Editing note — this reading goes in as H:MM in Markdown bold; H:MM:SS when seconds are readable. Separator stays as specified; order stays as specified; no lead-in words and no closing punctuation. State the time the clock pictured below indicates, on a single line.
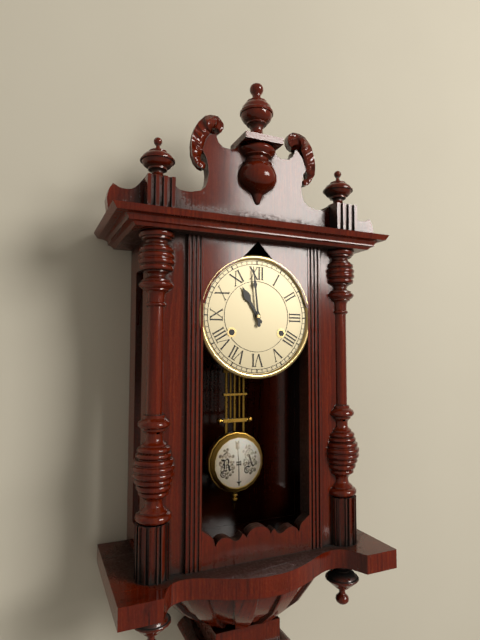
**10:59**
